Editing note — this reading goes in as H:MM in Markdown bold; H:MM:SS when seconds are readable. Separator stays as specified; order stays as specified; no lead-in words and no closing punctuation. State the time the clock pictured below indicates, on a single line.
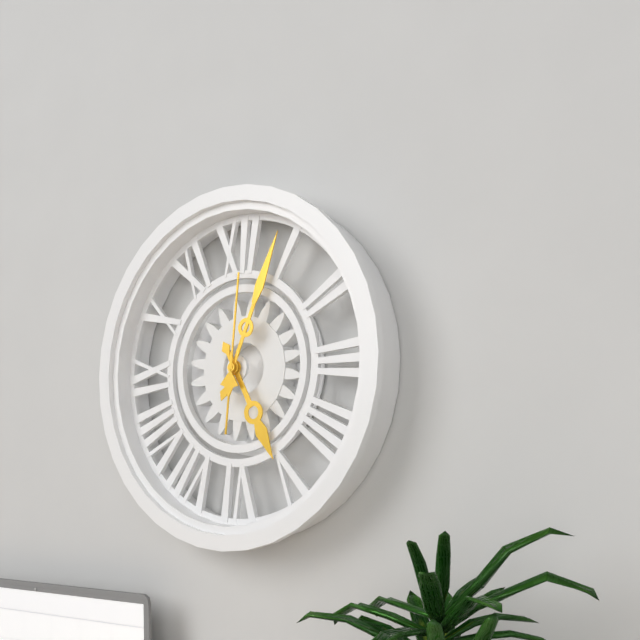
**5:04:01**
